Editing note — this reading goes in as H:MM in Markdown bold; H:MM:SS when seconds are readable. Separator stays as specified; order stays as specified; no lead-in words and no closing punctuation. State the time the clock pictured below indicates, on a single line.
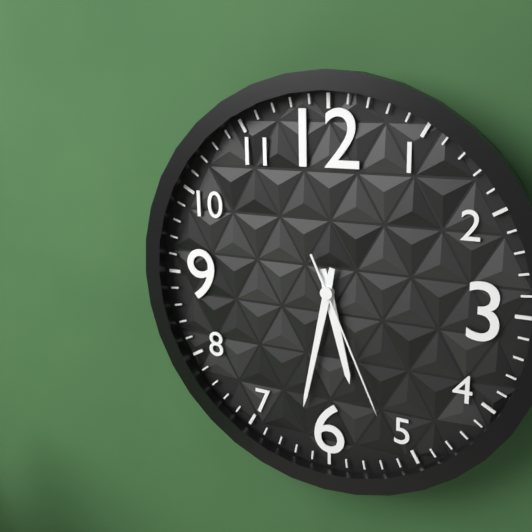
**5:32:26**
